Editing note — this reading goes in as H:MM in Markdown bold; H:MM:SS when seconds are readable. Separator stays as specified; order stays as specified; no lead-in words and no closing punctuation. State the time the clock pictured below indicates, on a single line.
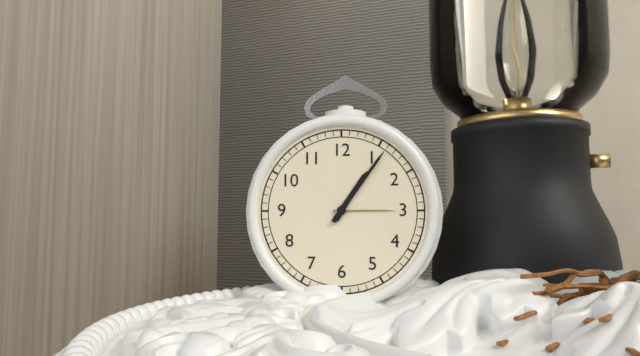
**1:06**
